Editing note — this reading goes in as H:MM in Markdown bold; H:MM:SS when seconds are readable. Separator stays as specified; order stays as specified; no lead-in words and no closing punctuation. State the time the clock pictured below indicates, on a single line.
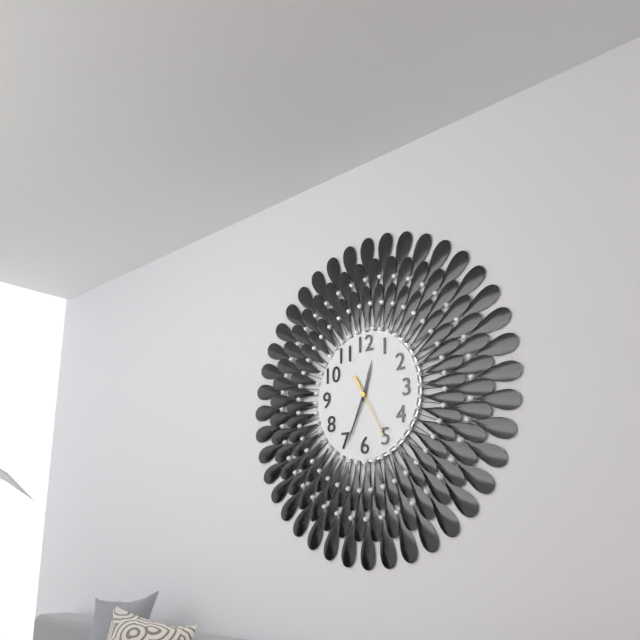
**12:34:25**
